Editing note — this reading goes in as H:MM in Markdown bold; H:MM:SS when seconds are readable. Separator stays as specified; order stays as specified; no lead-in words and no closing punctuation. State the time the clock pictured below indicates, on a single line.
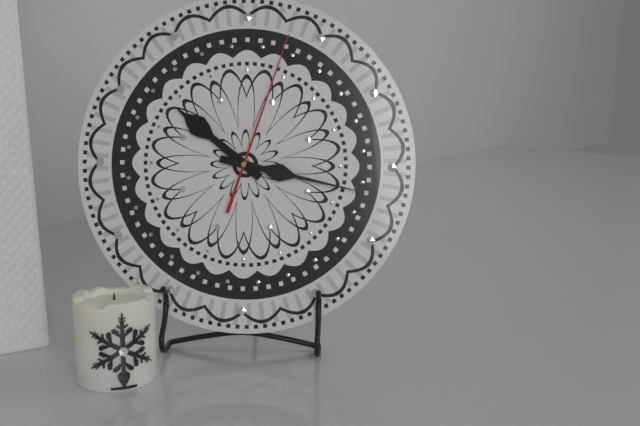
**10:17:03**
